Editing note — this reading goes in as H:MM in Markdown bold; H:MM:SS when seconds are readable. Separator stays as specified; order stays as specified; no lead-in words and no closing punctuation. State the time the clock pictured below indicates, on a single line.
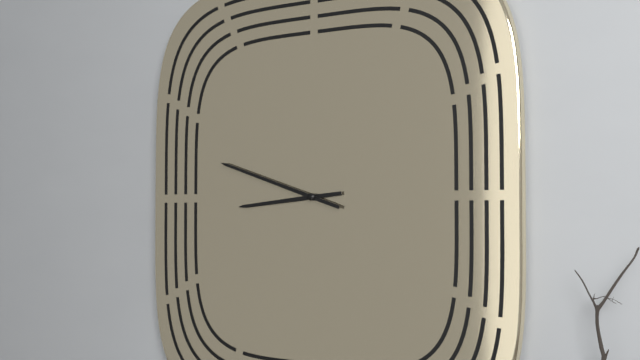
**8:48**
